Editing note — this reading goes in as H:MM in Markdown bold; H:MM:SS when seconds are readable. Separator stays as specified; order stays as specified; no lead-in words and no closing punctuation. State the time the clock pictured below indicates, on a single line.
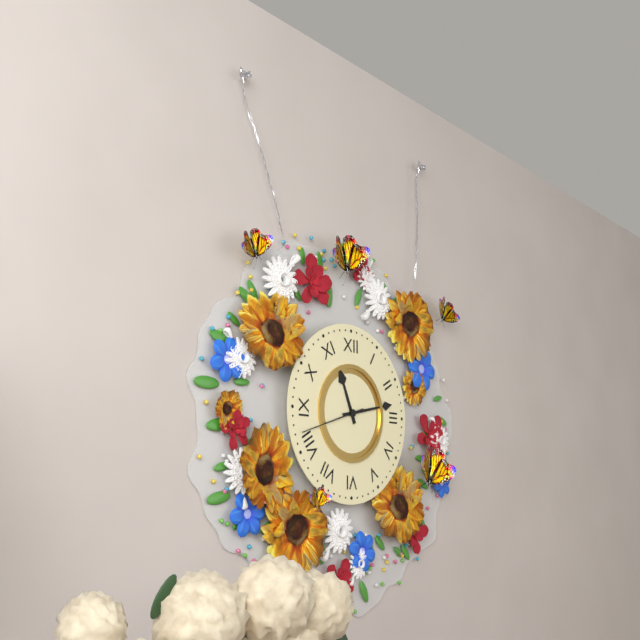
**11:13:42**
